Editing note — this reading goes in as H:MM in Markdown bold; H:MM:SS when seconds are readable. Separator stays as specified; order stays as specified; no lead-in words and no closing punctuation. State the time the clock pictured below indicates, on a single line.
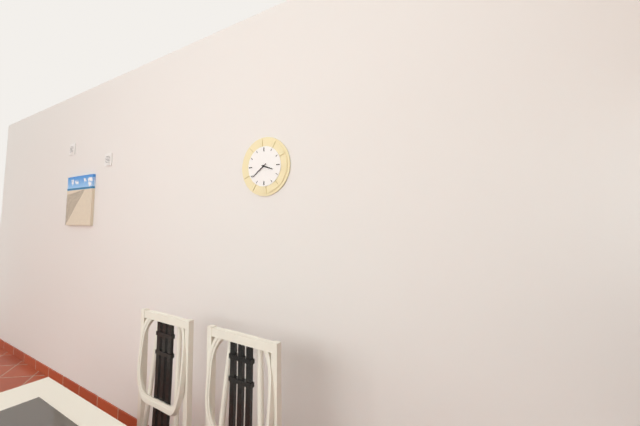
**3:39**
